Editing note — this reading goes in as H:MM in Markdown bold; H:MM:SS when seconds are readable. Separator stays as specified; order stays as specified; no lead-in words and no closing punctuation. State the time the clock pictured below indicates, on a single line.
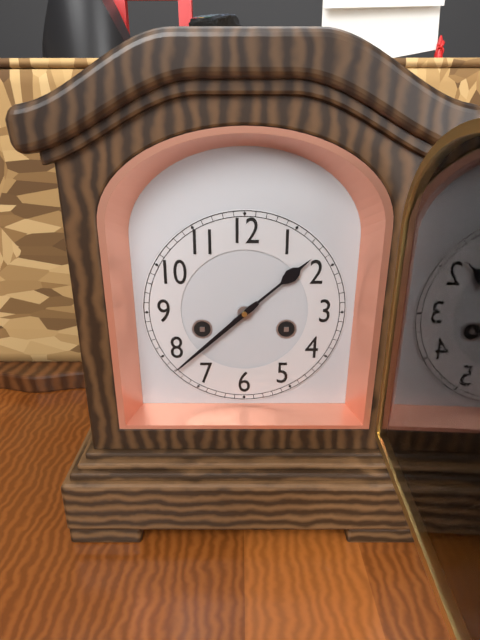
**1:38**
